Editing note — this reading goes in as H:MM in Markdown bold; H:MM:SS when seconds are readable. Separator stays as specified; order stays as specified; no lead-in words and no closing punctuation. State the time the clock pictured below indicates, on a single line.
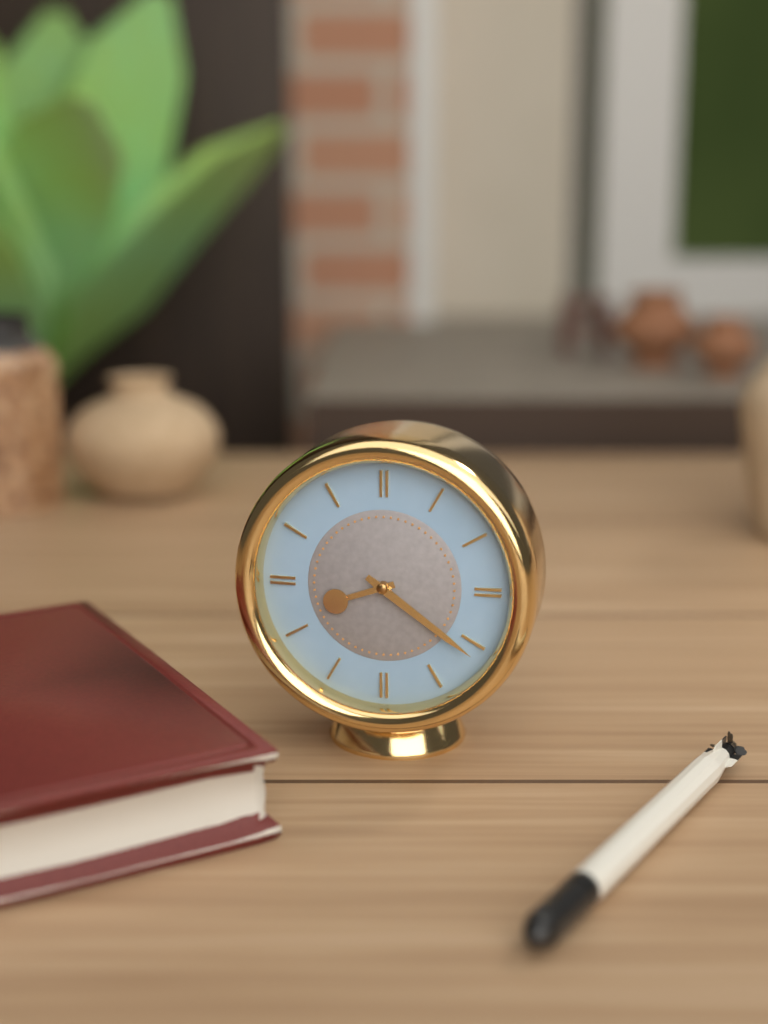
**8:21**
